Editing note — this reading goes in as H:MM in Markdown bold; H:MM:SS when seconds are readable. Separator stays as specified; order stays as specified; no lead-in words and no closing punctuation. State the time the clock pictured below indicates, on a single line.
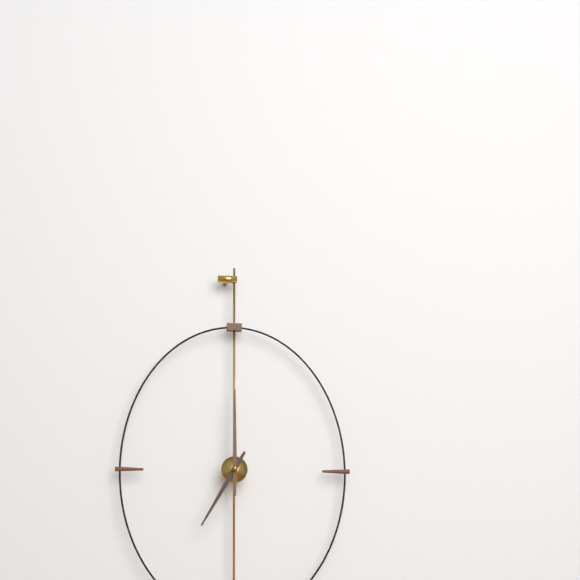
**7:00**
